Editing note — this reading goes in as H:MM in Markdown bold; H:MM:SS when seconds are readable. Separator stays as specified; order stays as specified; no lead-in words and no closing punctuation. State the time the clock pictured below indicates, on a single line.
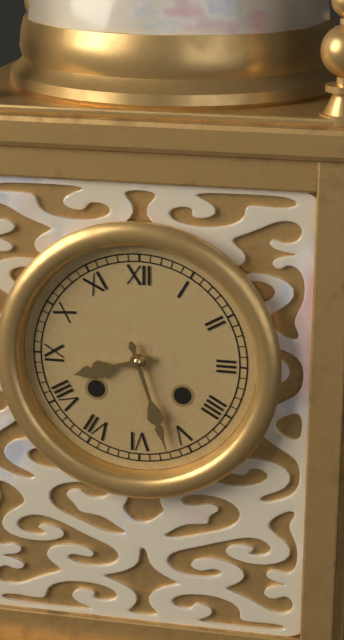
**8:27**
